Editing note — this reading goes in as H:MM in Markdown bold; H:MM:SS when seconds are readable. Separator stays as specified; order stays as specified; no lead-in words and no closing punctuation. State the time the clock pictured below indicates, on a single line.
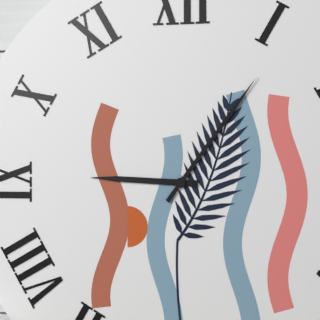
**9:06**
